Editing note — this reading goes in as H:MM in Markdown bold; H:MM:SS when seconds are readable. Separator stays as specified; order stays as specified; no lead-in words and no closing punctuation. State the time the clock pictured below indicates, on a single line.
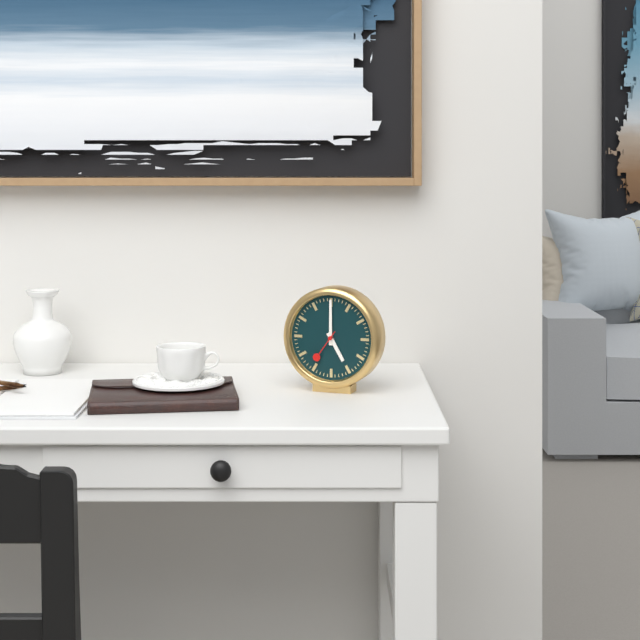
**5:00**
